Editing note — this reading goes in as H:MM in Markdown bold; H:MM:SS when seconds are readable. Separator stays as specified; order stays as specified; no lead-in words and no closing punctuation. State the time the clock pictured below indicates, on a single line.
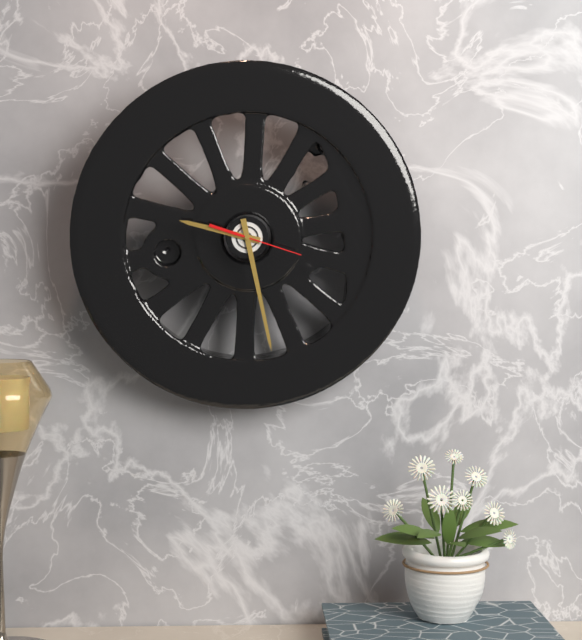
**9:28:18**
